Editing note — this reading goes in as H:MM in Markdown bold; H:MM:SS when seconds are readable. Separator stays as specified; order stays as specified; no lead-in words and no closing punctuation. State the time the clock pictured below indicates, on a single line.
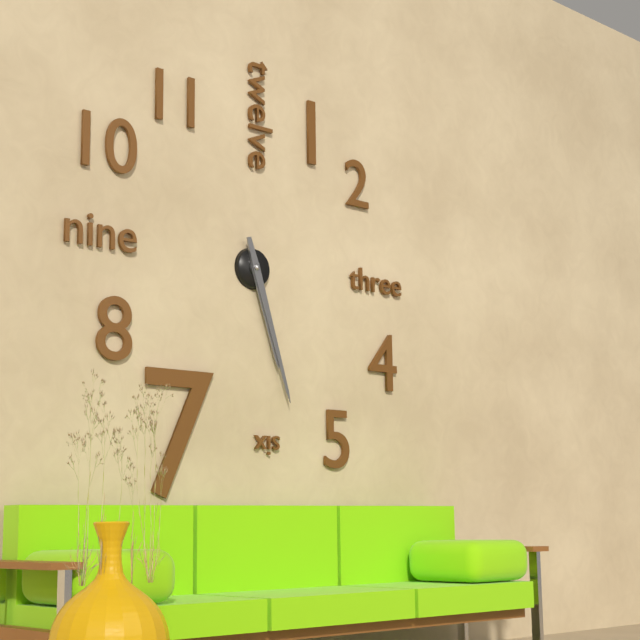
**5:27**
